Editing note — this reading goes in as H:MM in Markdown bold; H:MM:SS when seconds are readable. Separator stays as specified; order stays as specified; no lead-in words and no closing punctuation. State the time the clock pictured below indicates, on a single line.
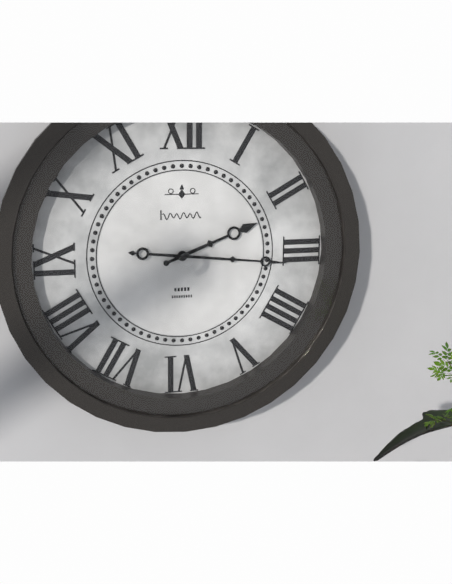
**2:16**
